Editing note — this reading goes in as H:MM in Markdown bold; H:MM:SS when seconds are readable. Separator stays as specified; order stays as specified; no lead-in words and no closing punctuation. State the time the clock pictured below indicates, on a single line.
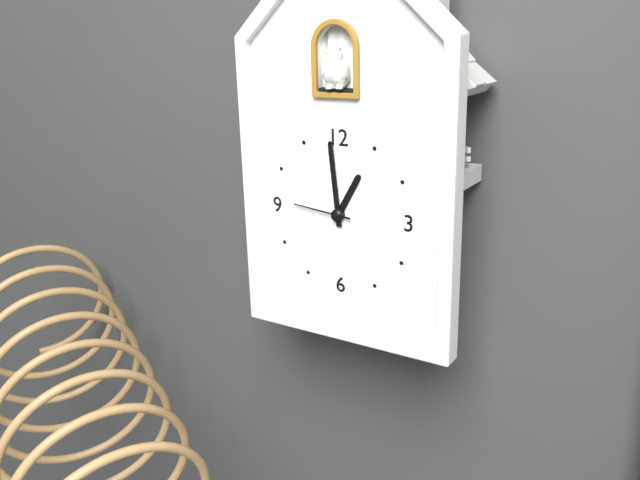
**12:59:46**
